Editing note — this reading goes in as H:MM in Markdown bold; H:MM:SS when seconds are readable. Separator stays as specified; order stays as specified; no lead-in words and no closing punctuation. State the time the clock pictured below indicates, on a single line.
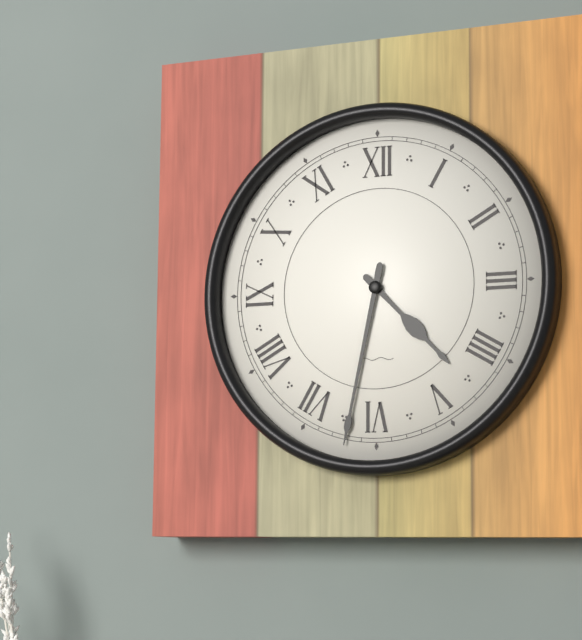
**4:32**
